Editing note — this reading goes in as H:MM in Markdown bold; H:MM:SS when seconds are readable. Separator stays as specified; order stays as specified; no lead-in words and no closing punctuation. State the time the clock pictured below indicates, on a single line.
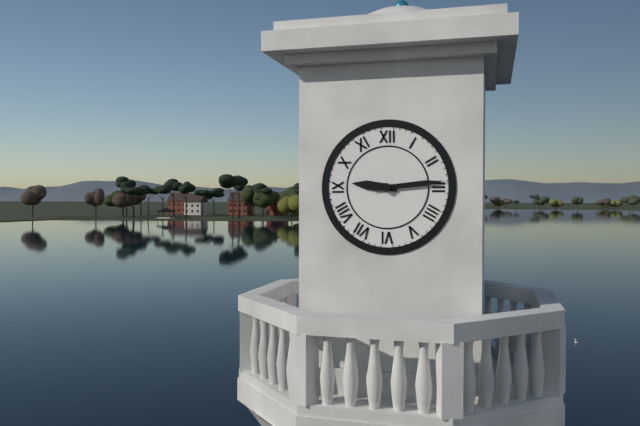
**9:14**
